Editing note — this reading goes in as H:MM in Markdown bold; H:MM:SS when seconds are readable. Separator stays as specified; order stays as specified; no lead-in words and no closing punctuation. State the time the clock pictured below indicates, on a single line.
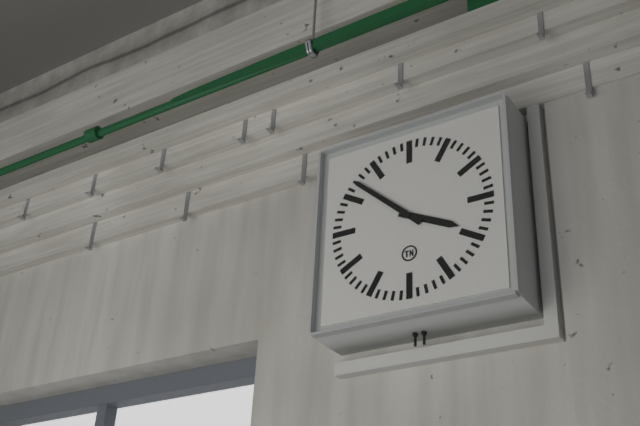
**3:52**
